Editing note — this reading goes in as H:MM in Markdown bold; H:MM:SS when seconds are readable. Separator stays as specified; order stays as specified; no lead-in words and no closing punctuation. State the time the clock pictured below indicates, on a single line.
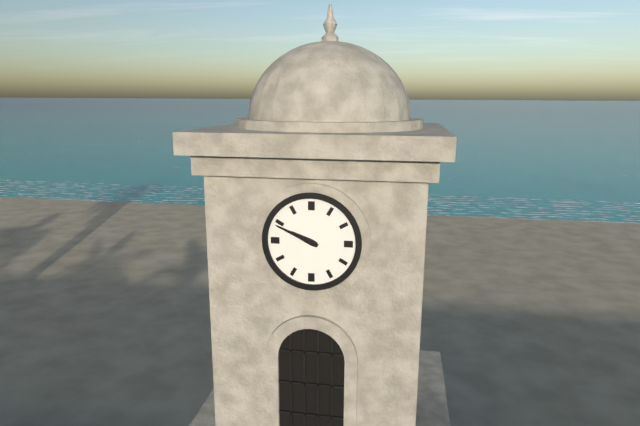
**9:49**
